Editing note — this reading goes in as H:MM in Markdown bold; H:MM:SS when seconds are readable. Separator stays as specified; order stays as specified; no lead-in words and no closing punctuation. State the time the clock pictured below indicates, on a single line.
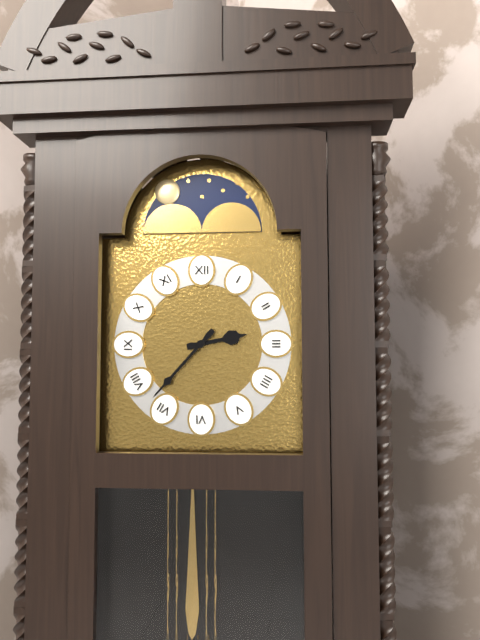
**2:37**
